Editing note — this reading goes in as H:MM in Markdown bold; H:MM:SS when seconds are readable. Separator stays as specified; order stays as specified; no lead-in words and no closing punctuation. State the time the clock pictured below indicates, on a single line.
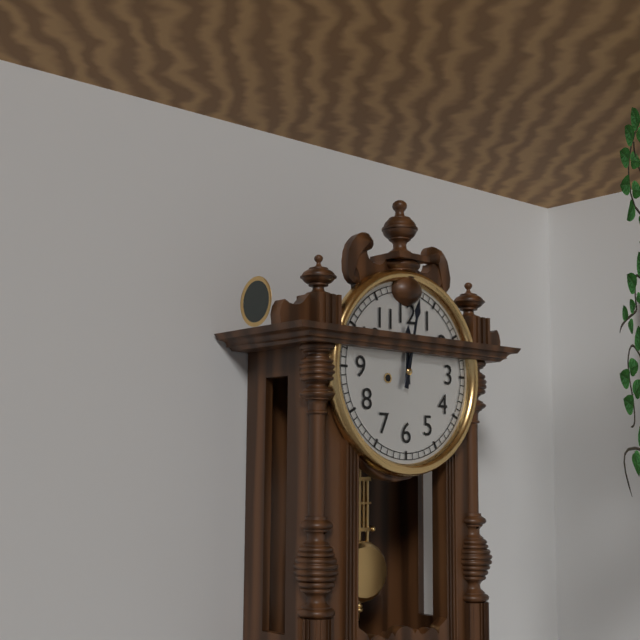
**12:02**
